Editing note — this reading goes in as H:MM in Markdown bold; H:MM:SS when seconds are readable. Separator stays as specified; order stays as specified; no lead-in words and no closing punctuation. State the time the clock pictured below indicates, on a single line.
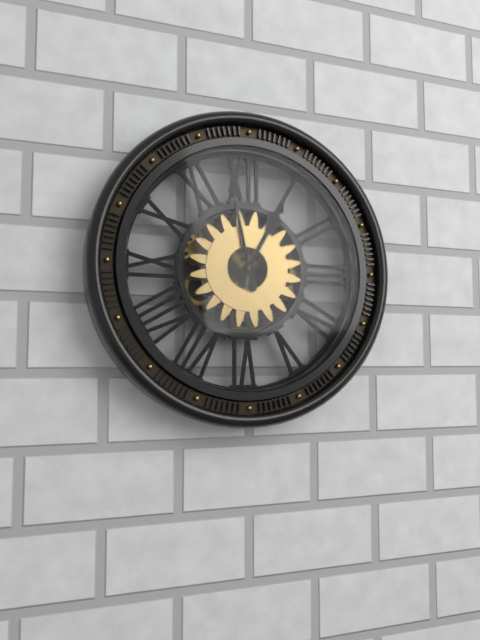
**12:58**
